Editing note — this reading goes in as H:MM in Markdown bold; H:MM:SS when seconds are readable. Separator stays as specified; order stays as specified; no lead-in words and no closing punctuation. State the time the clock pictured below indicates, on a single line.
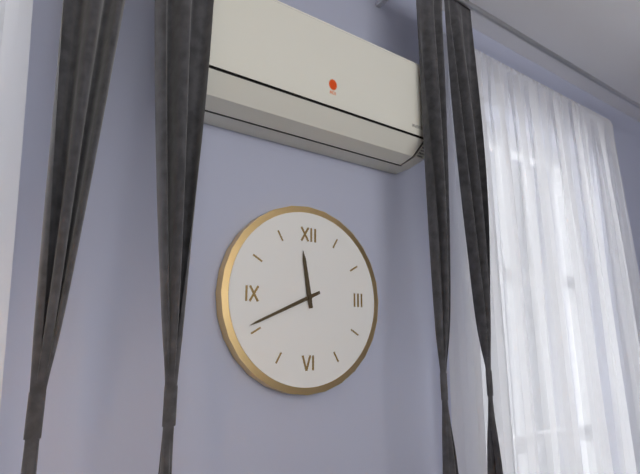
**11:41**
